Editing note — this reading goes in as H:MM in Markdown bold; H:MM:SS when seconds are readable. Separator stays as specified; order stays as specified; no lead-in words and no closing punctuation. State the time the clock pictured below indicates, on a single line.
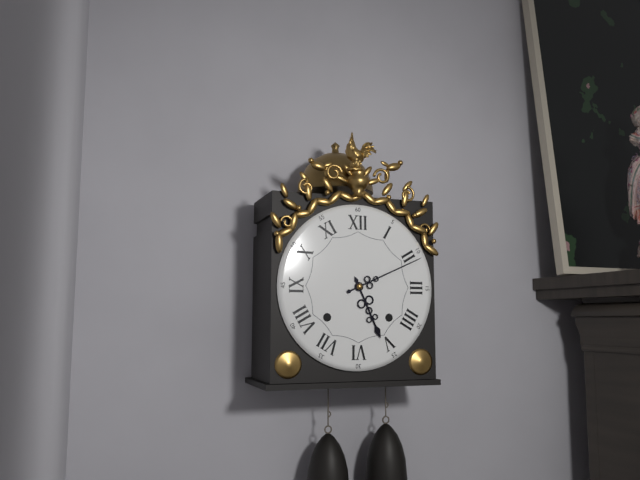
**5:11**
